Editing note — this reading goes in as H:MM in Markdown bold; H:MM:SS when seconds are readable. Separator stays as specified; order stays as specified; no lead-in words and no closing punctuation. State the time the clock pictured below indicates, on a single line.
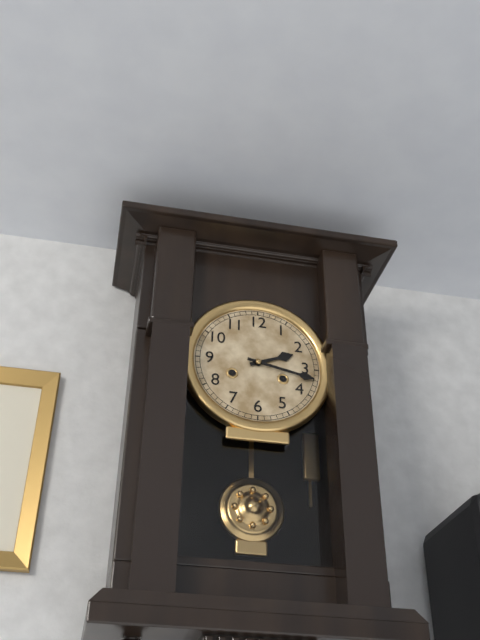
**2:17**
